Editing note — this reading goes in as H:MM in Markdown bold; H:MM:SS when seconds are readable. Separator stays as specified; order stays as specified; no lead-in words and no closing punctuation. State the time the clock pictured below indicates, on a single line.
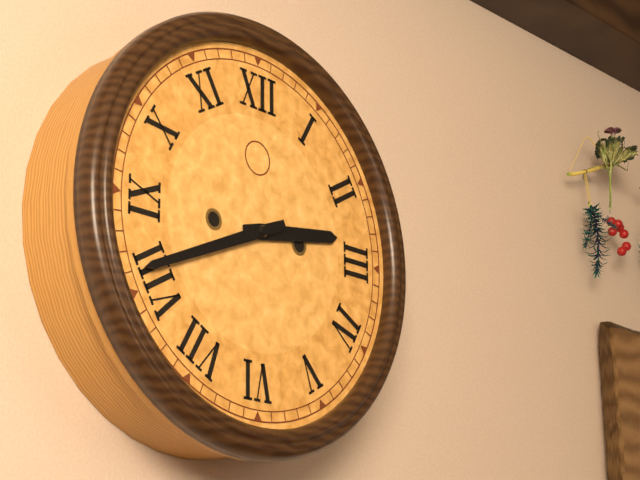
**2:41**
